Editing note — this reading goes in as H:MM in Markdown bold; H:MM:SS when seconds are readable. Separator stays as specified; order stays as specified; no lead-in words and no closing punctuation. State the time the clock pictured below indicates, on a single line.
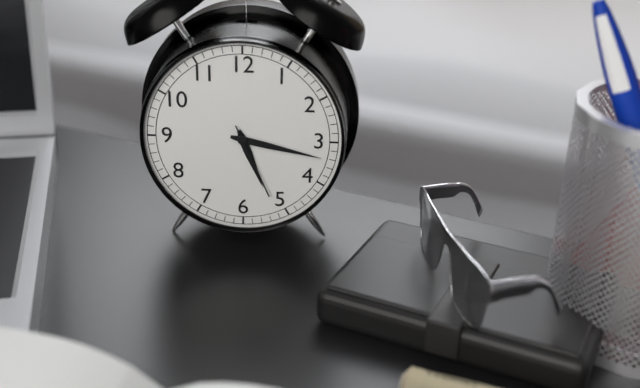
**5:17:26**
